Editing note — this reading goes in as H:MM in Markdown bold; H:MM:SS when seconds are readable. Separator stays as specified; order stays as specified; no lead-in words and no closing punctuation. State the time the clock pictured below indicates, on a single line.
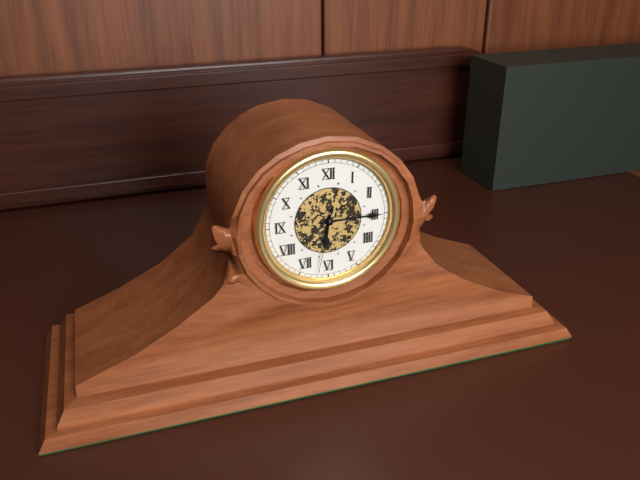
**6:15:32**
